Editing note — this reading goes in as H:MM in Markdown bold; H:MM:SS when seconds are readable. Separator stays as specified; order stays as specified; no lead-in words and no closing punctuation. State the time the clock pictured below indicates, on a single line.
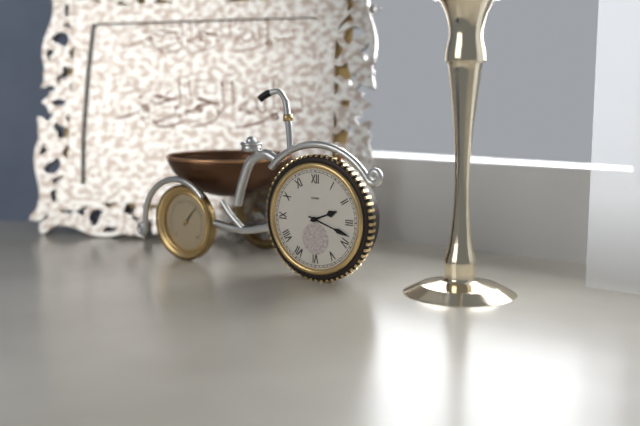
**2:18**
